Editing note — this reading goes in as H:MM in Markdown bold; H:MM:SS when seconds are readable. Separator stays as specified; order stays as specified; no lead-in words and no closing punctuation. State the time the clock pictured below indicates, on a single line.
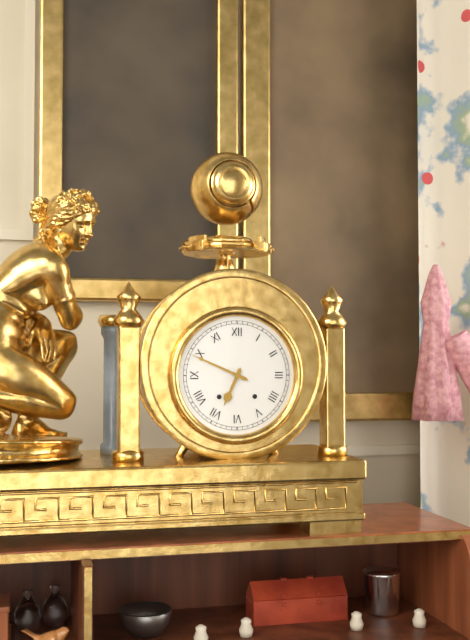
**6:49**
